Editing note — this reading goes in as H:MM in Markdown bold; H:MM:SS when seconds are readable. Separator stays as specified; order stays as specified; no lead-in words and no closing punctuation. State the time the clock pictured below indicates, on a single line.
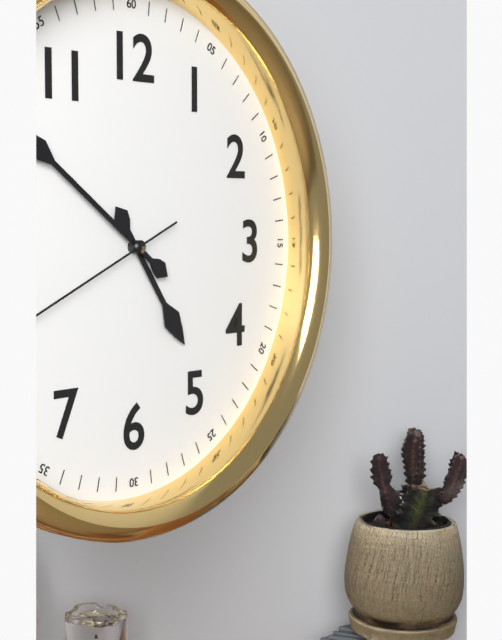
**4:51**
